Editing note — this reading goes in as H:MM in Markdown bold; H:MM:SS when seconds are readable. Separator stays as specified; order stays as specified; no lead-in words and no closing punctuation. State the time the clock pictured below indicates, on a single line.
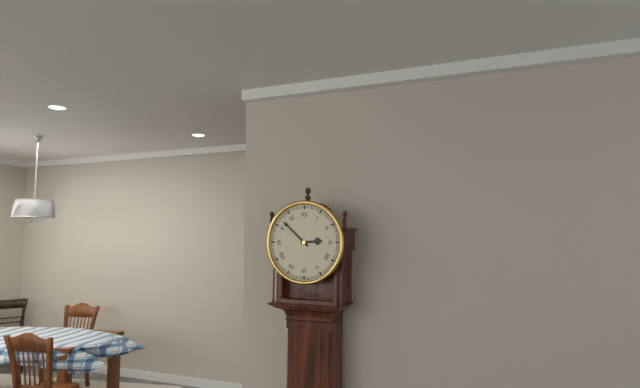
**2:52**
